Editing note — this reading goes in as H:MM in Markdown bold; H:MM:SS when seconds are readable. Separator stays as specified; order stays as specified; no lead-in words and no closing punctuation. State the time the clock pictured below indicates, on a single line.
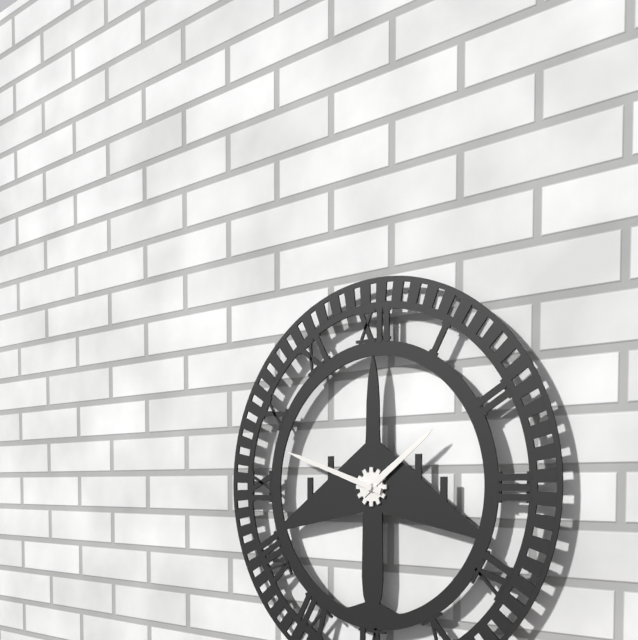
**1:48**
